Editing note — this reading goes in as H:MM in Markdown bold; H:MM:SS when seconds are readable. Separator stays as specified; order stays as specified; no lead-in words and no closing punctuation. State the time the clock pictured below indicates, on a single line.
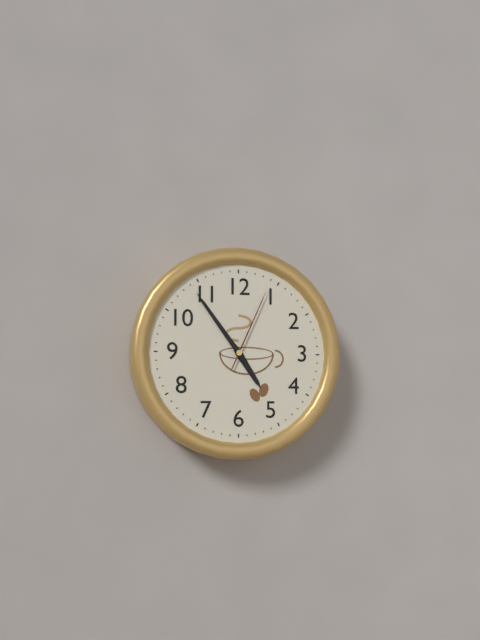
**4:54:04**
